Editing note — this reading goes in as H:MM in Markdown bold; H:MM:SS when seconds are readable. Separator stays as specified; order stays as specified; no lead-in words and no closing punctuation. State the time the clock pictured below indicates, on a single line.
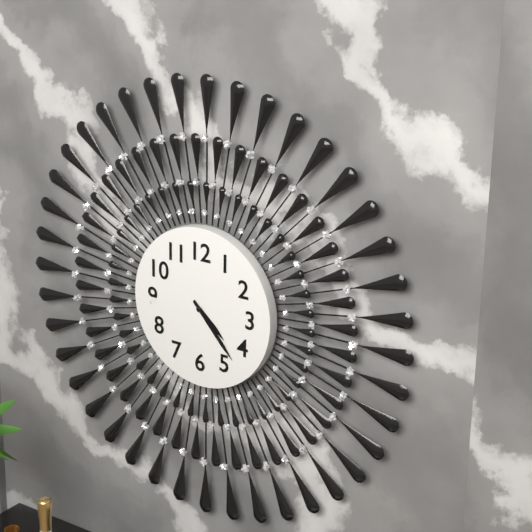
**4:23**
